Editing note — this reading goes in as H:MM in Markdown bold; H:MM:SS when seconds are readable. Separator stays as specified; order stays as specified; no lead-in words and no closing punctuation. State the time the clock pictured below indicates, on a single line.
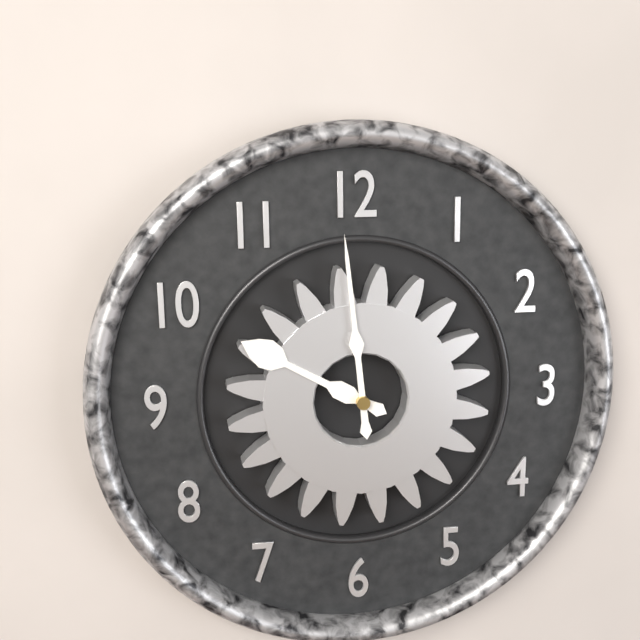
**9:59**
